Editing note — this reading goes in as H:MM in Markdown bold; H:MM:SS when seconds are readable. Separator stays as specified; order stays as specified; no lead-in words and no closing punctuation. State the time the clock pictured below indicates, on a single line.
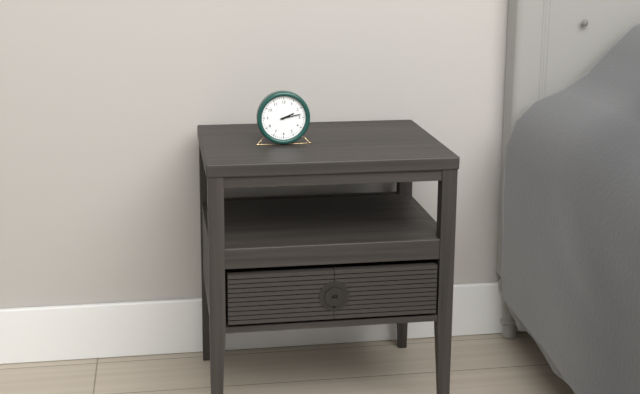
**2:13**
